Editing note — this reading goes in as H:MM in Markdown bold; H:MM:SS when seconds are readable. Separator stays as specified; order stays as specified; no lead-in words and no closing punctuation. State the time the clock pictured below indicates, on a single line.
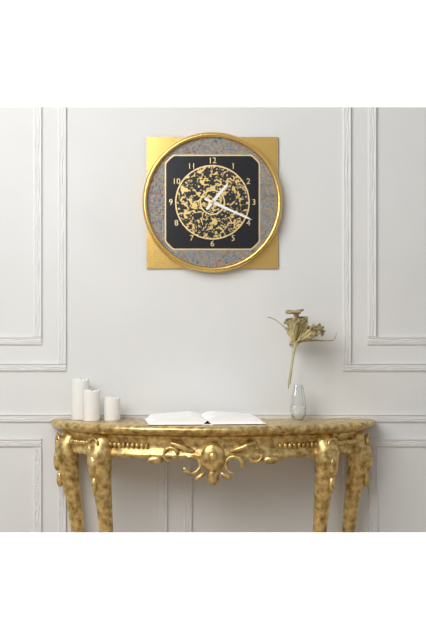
**1:19**
